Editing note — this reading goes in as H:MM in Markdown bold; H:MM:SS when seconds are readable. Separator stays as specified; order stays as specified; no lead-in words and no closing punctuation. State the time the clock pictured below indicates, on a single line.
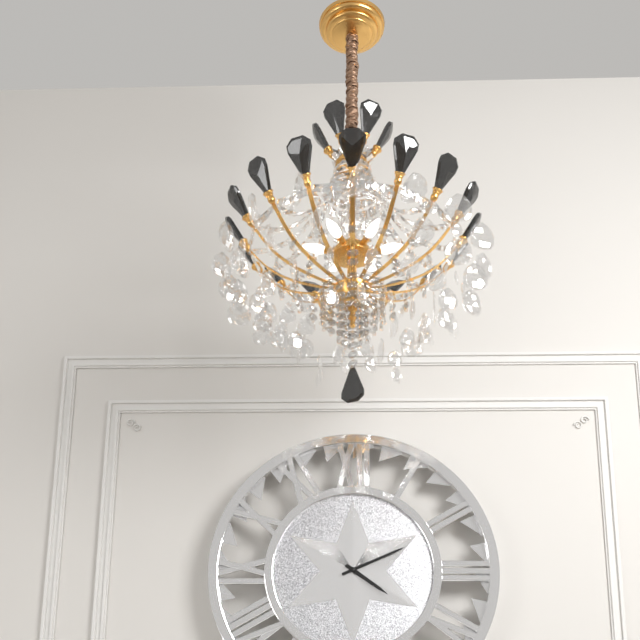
**4:11**
